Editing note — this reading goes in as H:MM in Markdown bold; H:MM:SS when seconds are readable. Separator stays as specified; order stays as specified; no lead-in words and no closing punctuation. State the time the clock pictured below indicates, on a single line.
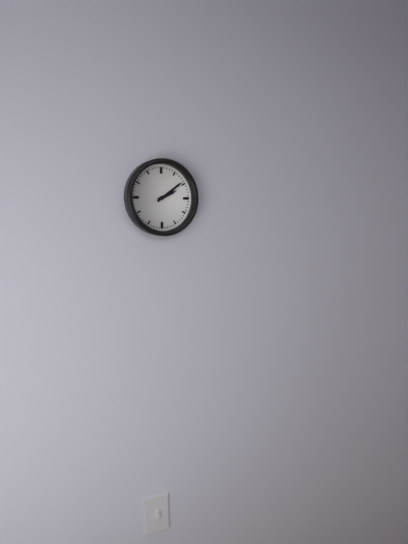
**2:09**
